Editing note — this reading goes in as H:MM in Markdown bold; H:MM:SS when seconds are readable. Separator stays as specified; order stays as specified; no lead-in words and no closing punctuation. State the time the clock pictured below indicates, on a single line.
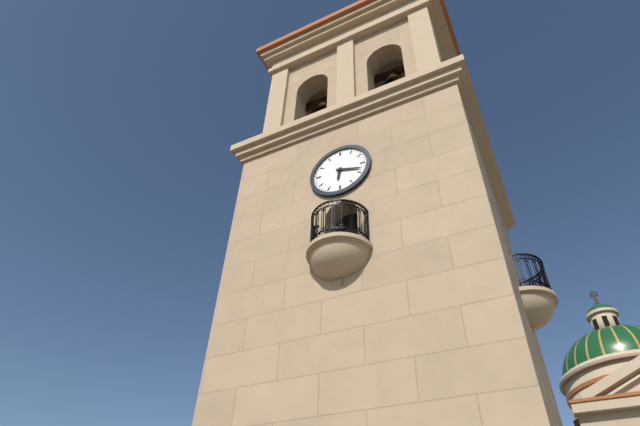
**6:18**
